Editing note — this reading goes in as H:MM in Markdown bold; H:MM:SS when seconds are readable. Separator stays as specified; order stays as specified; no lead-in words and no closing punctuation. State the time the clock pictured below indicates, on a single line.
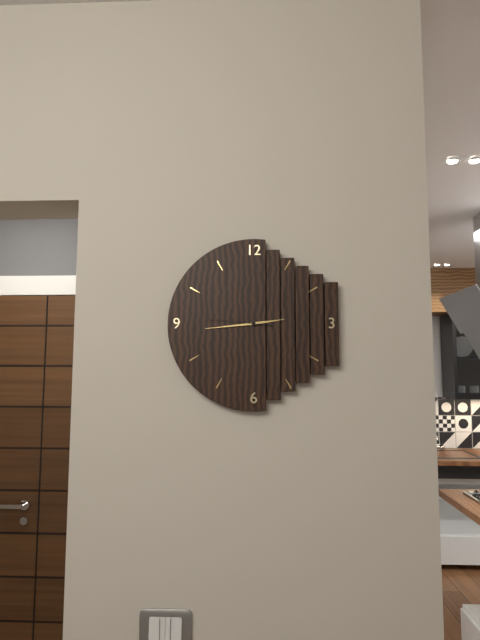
**2:44:46**
